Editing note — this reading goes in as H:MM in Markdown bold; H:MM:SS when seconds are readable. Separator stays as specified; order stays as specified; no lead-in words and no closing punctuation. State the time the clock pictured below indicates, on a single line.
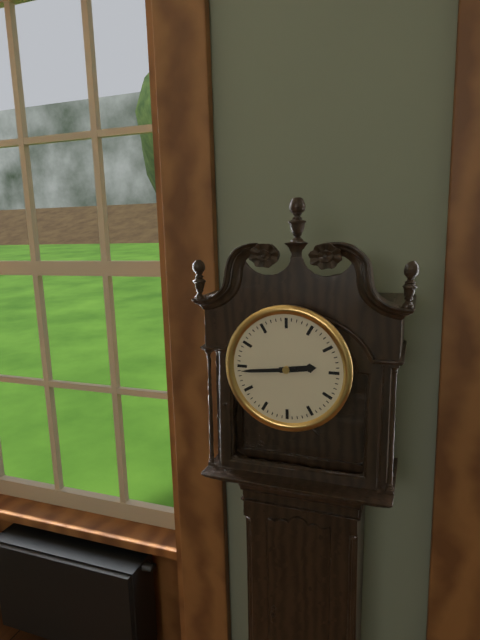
**2:44**
